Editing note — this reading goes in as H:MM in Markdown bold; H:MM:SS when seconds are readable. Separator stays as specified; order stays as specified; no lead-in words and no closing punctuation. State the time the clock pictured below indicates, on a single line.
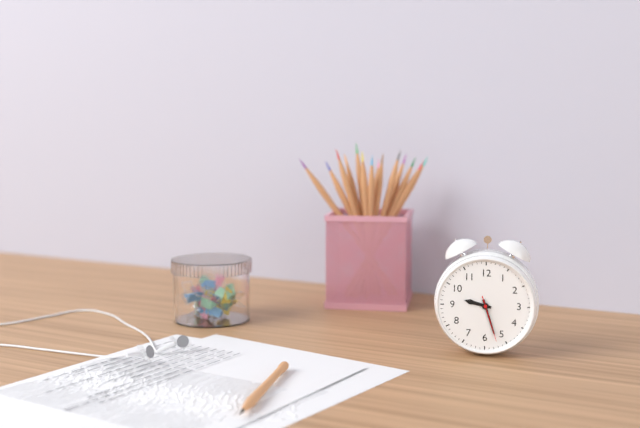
**9:27**
